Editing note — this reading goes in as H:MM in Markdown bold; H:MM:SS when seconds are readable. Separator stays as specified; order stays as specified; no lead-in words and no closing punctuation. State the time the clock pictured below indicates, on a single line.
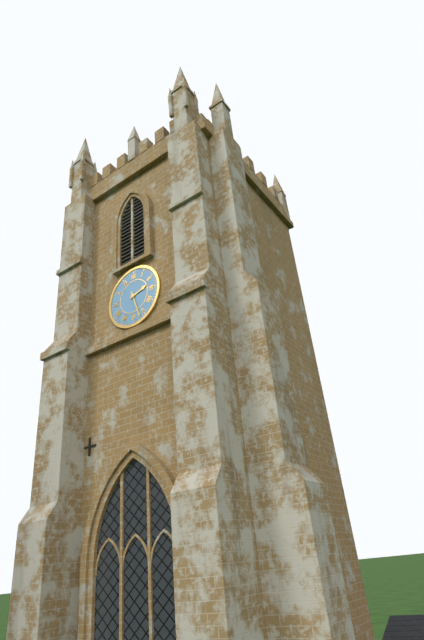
**2:27**
